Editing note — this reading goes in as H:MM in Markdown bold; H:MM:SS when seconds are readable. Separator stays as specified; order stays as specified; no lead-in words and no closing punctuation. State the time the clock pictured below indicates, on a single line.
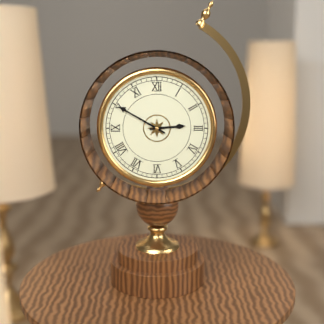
**2:50**
